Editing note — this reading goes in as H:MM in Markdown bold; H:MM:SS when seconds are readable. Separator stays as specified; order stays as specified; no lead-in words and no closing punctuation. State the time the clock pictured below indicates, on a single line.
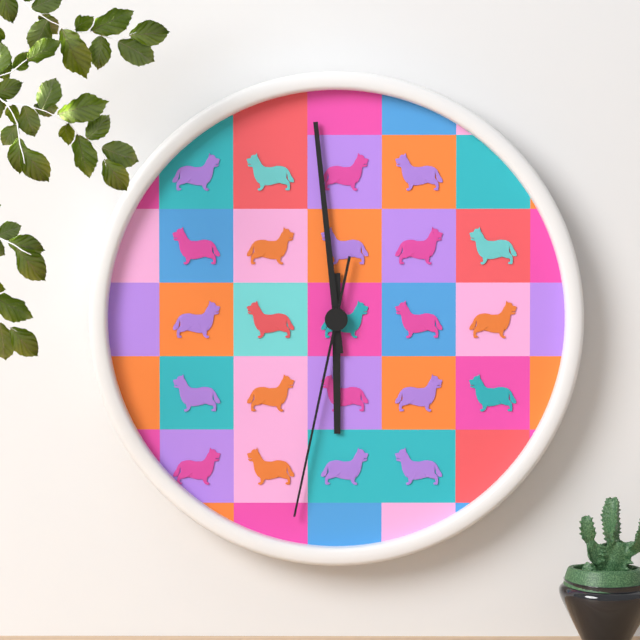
**5:59:32**
